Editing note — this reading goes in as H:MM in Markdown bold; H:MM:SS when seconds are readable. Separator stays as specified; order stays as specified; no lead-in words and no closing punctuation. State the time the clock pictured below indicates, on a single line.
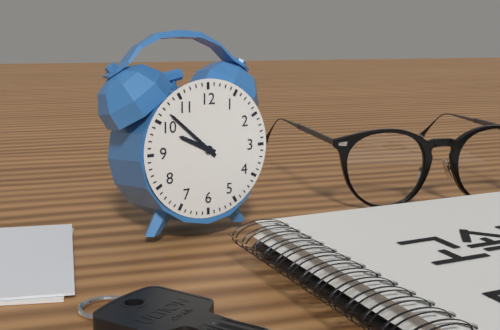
**9:52**
